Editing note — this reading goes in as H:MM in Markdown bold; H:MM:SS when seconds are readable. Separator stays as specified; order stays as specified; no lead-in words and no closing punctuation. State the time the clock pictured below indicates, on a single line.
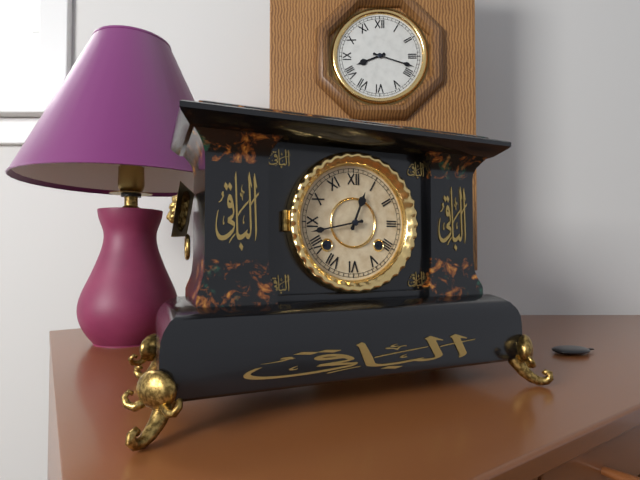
**12:43**
